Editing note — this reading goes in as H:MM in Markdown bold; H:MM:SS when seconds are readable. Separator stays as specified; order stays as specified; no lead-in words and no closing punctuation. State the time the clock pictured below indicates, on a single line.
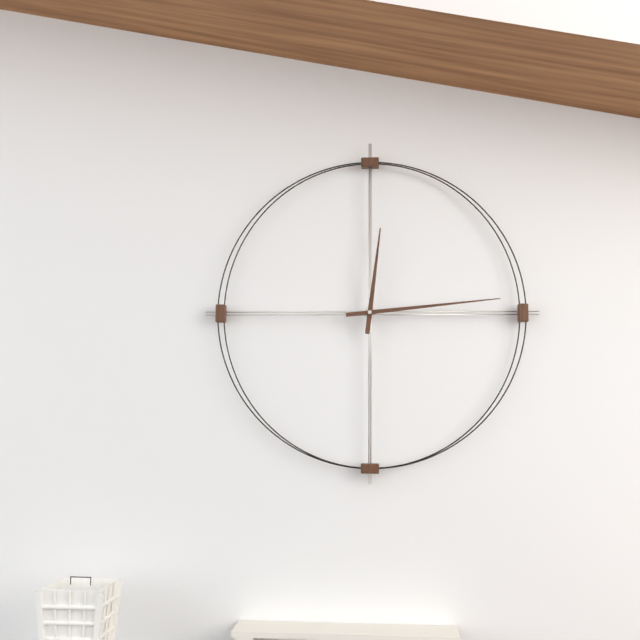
**12:14**
